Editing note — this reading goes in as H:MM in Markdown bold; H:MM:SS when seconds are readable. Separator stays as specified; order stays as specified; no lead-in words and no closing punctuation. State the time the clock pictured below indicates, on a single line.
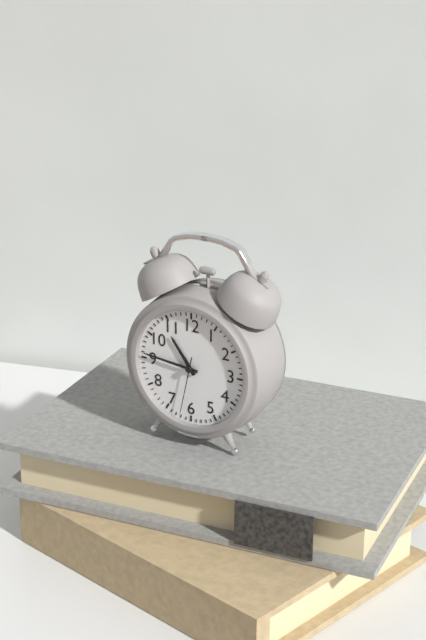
**10:46:32**
